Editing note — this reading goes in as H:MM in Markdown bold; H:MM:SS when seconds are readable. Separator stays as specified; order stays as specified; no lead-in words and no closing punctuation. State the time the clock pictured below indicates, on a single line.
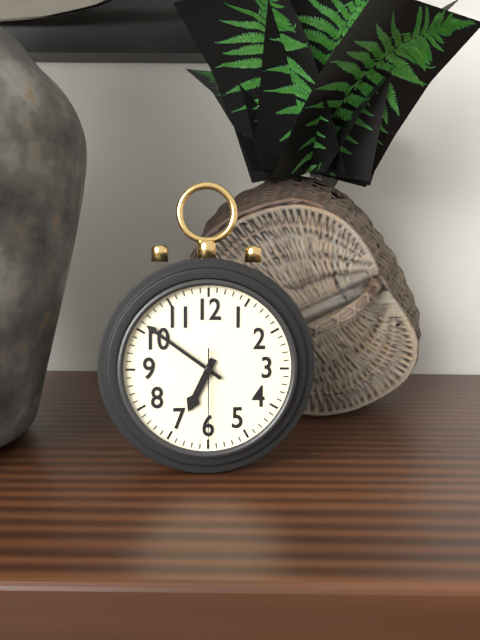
**6:51:30**
